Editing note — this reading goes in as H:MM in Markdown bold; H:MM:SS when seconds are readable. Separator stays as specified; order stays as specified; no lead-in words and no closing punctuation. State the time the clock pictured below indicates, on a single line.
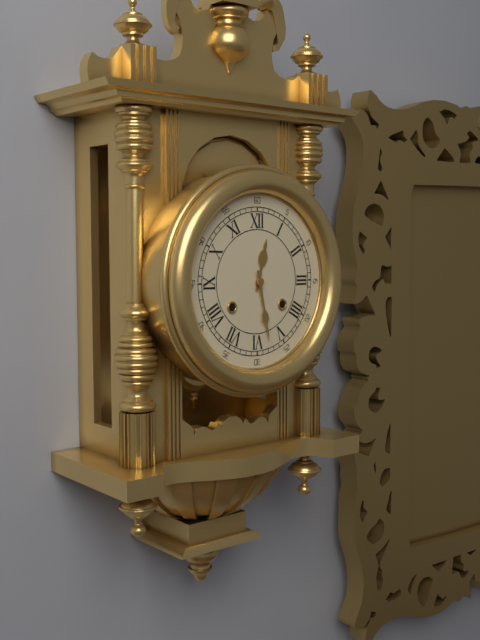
**12:28**
